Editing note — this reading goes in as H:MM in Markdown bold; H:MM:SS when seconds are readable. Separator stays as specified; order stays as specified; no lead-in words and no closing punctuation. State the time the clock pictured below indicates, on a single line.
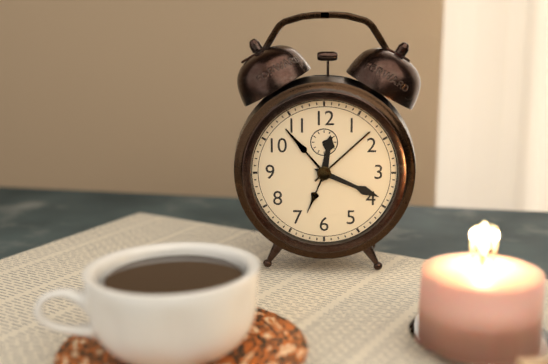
**12:19**
